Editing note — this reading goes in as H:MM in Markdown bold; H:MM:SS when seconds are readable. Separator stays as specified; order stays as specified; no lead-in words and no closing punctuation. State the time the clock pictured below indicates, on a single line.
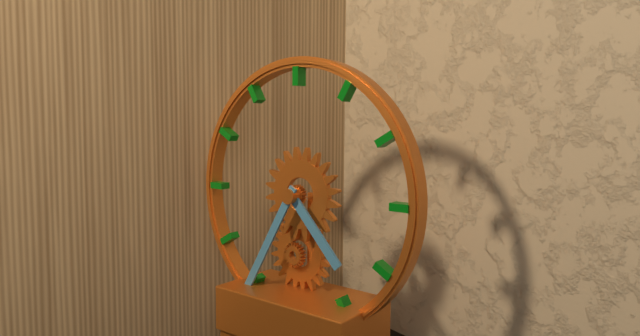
**4:35**
